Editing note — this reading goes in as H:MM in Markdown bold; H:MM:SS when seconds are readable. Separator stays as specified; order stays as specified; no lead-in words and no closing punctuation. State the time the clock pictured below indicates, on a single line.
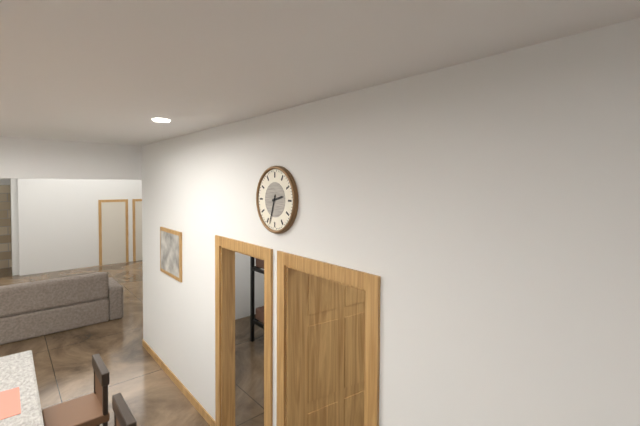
**2:33**
